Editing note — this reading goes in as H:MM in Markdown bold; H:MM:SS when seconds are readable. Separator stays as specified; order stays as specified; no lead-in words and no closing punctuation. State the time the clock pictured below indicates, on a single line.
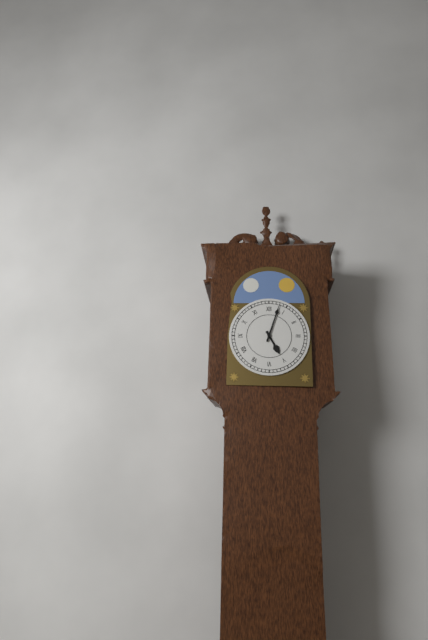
**5:03**
